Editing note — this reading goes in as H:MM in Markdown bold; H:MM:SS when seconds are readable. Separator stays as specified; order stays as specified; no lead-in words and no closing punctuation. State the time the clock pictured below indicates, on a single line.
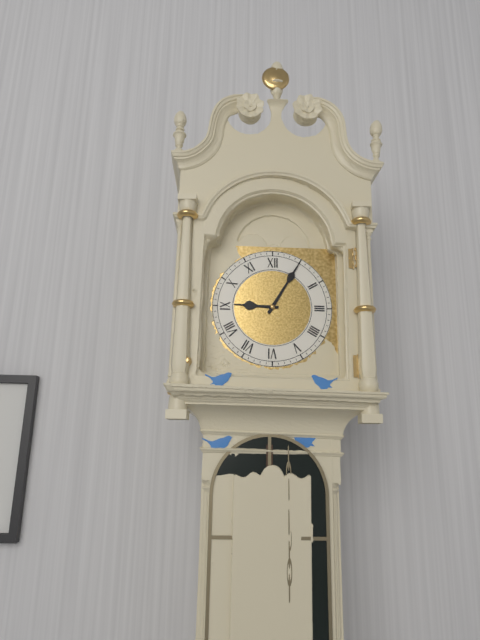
**9:05**
